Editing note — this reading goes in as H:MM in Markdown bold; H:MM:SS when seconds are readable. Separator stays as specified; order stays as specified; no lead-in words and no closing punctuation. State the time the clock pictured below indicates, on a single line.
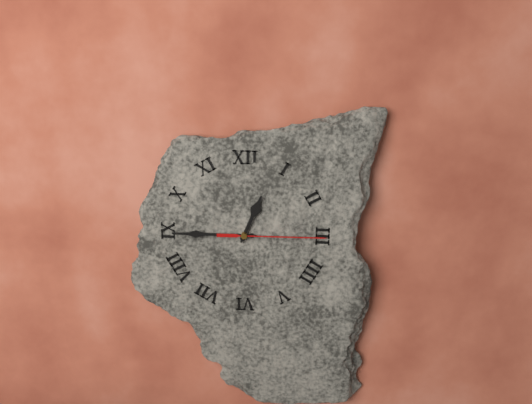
**12:45:15**
